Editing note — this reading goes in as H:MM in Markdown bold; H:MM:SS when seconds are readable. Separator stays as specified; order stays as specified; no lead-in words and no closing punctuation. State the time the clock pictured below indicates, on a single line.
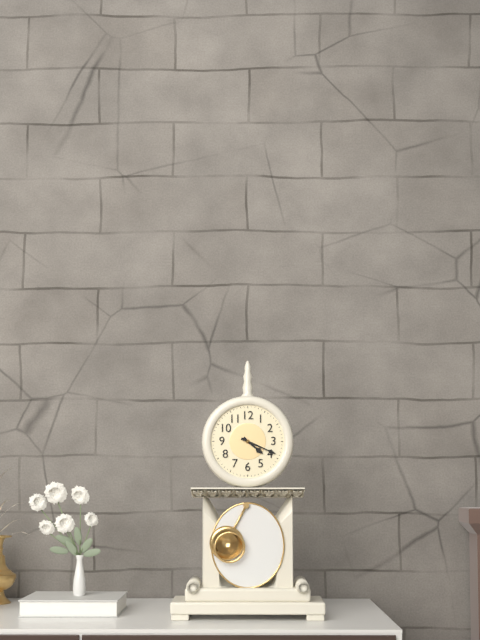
**4:19**
